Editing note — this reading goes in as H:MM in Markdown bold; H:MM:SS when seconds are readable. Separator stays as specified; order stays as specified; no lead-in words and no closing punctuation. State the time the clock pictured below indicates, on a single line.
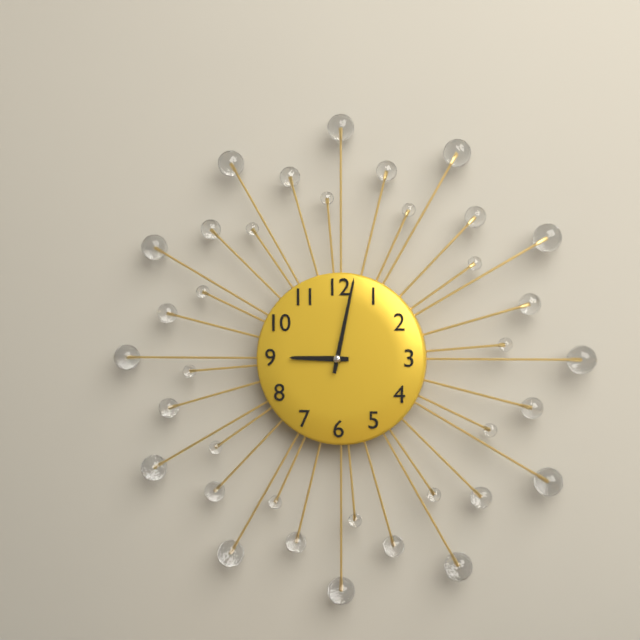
**9:02**
